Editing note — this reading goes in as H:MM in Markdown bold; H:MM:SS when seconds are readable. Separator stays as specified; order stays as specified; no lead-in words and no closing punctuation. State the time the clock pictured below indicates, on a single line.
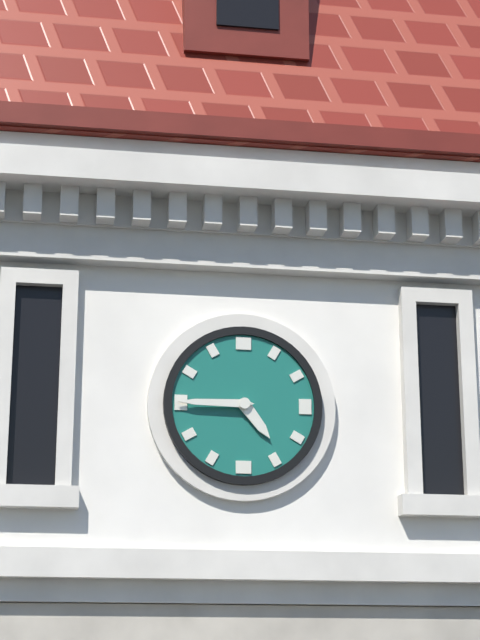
**4:45**
